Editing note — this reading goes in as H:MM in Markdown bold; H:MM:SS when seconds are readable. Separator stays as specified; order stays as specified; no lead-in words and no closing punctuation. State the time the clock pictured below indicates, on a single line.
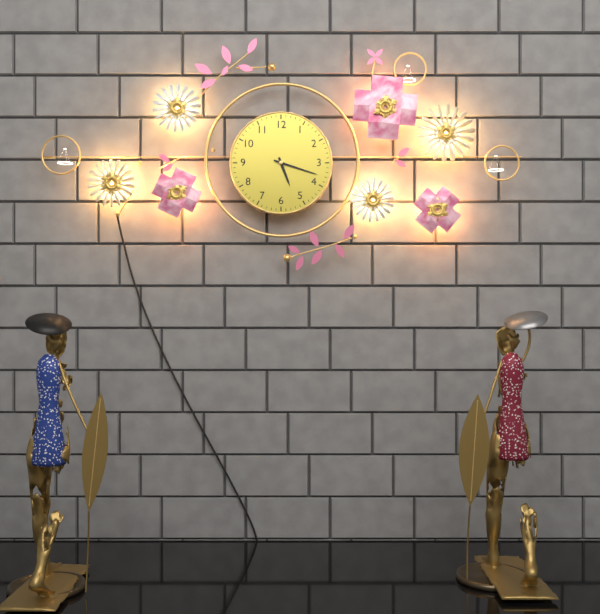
**5:18**
